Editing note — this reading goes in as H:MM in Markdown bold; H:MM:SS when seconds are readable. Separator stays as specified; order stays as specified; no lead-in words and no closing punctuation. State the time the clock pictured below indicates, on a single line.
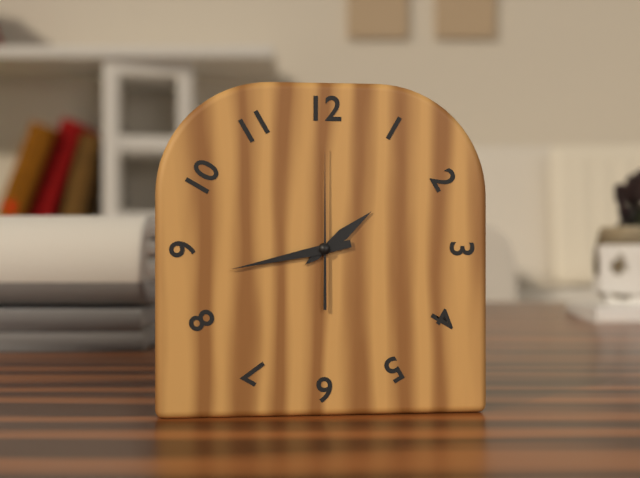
**1:43:00**
